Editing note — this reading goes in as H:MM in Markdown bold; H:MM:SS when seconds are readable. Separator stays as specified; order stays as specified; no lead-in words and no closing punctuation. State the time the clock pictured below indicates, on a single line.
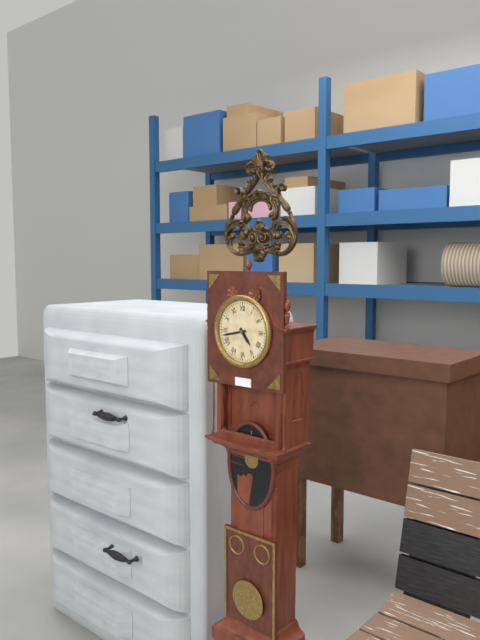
**4:43**
